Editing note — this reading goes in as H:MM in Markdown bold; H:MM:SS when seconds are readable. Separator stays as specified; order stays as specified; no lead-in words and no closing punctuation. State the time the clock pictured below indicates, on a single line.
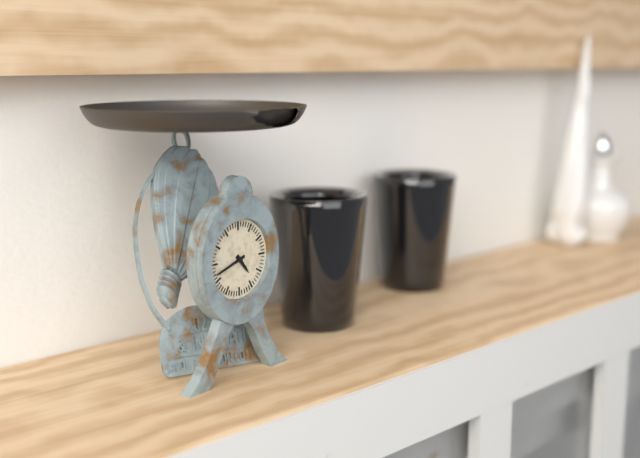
**4:42**
